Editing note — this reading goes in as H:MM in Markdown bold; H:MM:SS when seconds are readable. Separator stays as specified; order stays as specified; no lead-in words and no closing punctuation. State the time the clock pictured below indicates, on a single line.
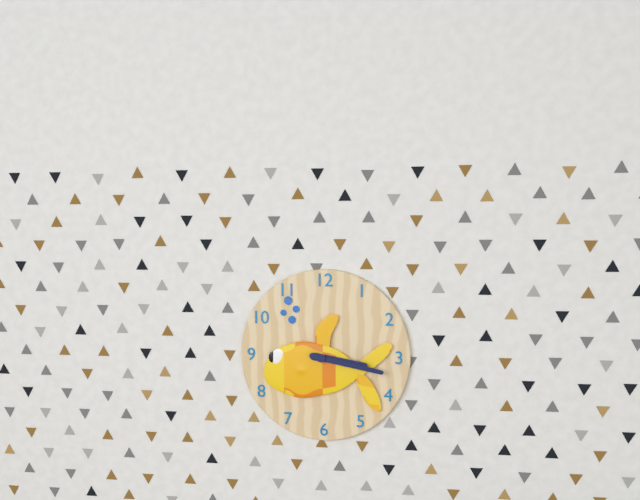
**3:17**
